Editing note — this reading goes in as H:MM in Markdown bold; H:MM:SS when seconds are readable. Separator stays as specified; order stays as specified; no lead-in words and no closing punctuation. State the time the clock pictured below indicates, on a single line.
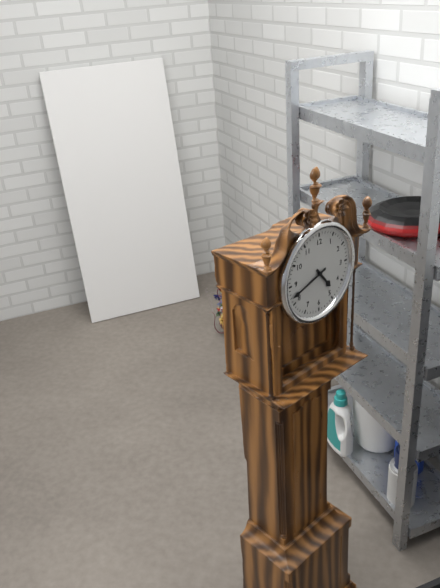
**4:42**
